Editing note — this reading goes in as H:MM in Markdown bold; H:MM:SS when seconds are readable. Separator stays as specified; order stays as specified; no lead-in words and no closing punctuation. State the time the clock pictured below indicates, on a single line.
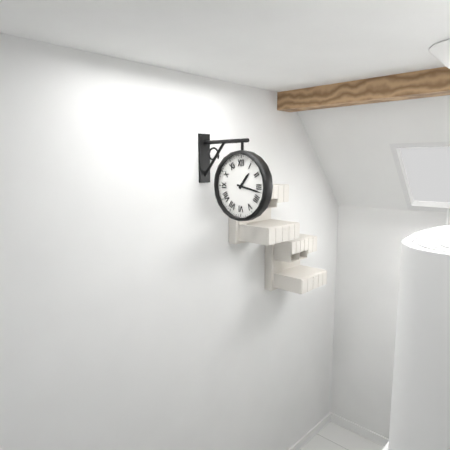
**1:17**
